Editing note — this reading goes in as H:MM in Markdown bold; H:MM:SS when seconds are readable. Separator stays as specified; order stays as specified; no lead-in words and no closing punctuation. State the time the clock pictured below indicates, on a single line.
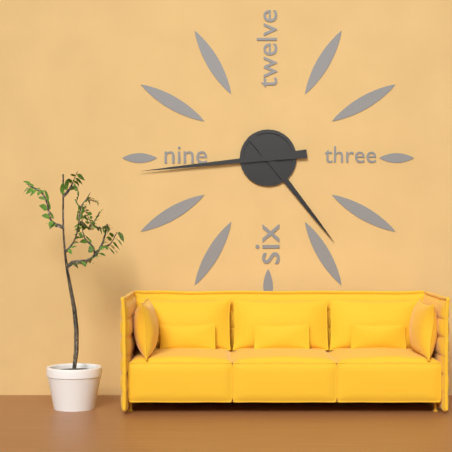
**4:44**
